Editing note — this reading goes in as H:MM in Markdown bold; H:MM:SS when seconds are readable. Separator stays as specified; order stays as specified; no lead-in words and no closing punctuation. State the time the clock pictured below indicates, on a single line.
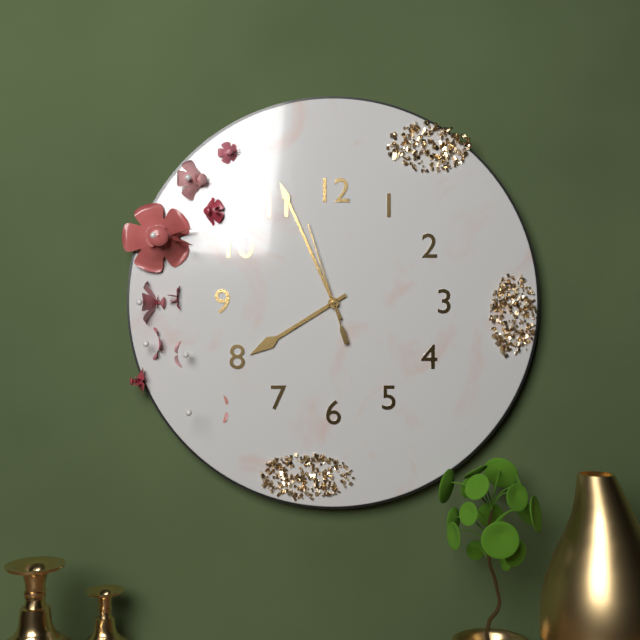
**7:56:57**
